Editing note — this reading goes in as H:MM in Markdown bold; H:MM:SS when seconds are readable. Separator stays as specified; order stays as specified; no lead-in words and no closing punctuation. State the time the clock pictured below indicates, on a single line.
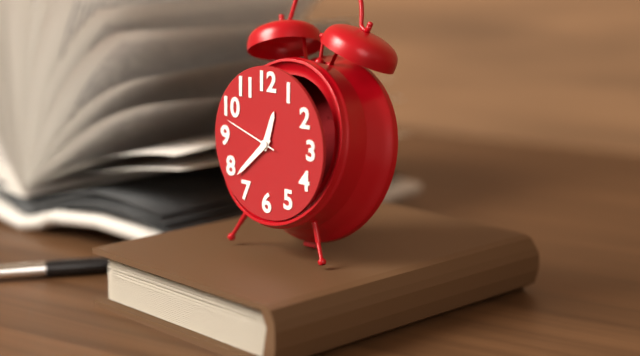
**12:38:48**
